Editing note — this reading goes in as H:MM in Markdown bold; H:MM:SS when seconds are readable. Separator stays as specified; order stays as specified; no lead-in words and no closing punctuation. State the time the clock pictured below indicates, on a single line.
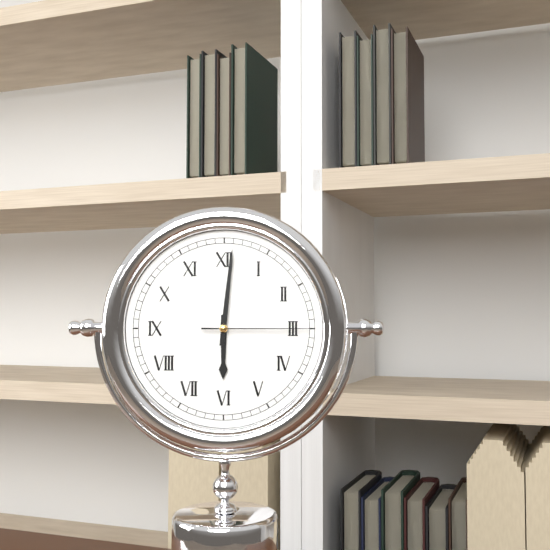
**6:01:15**
